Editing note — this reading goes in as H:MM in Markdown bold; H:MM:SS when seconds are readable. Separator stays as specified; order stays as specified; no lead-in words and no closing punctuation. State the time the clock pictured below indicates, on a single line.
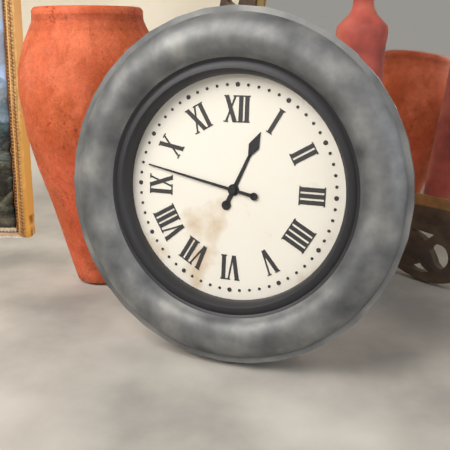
**12:47**
